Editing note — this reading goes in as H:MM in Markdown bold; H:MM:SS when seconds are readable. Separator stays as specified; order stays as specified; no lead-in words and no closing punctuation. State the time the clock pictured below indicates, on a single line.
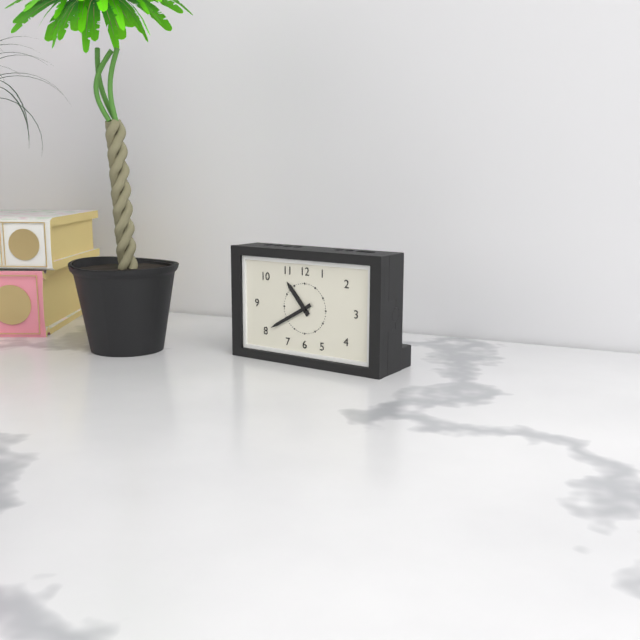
**10:40**
